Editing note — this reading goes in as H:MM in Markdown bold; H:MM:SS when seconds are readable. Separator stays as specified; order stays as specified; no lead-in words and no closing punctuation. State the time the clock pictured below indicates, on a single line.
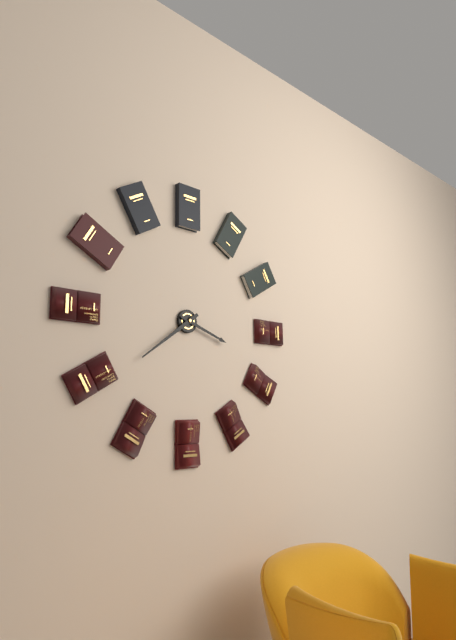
**3:39**
